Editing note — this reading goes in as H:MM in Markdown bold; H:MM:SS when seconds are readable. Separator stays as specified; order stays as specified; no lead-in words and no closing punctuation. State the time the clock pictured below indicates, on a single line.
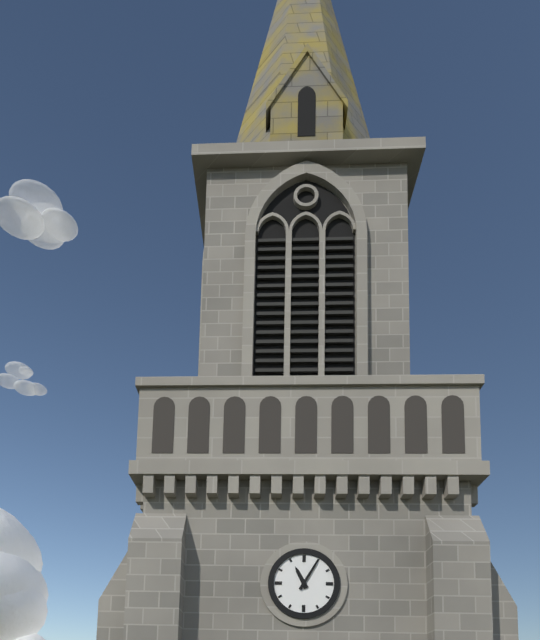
**11:05**
